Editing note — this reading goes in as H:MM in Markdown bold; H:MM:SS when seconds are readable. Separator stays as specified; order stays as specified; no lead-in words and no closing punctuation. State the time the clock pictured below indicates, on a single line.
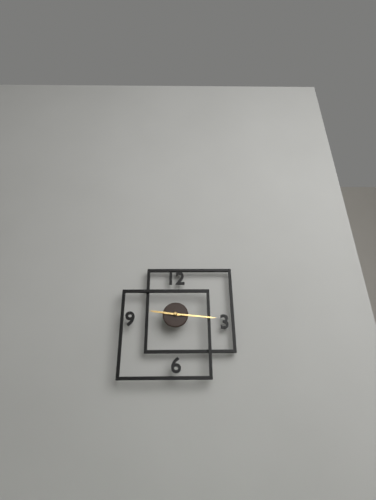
**9:16**
